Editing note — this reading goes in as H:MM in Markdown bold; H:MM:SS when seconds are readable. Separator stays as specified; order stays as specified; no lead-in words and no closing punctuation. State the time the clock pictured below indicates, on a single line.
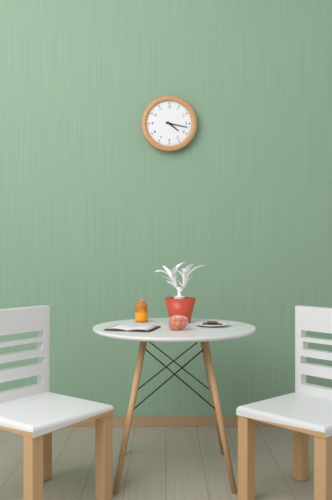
**4:17**
